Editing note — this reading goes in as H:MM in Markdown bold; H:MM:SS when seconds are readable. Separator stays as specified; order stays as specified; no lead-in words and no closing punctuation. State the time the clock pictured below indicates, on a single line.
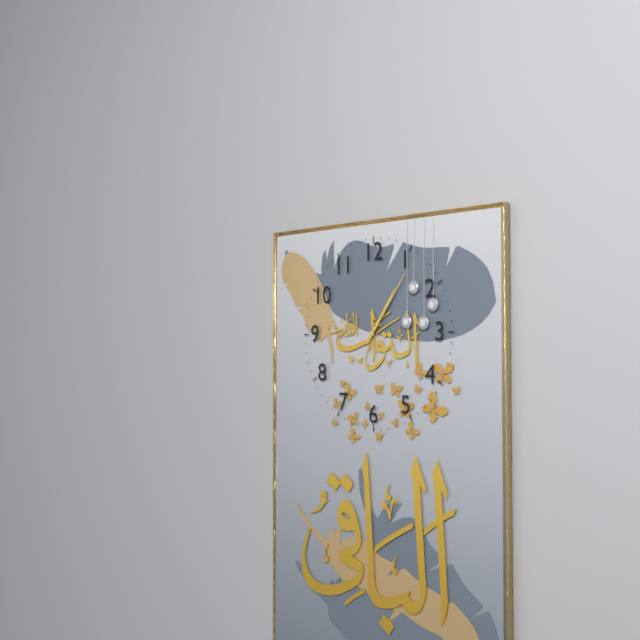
**1:06**
